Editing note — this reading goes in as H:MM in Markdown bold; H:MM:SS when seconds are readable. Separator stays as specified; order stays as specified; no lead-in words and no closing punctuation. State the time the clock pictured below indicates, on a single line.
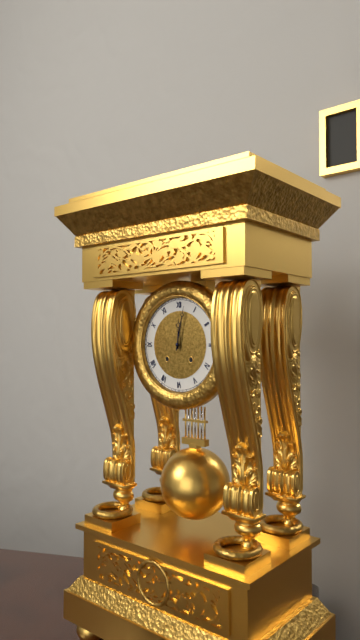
**12:02**
